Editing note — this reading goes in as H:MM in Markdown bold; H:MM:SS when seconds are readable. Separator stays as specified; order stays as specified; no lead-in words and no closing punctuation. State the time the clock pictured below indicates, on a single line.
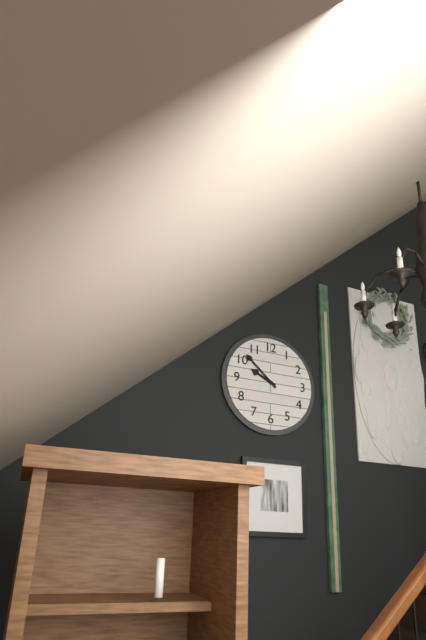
**9:52**
